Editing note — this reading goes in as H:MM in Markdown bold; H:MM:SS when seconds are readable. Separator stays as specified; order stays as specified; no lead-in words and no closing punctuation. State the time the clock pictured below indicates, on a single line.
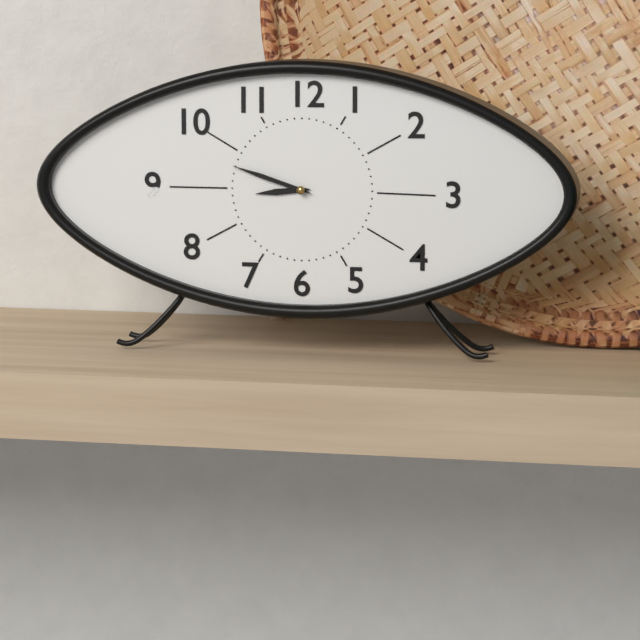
**8:48**
